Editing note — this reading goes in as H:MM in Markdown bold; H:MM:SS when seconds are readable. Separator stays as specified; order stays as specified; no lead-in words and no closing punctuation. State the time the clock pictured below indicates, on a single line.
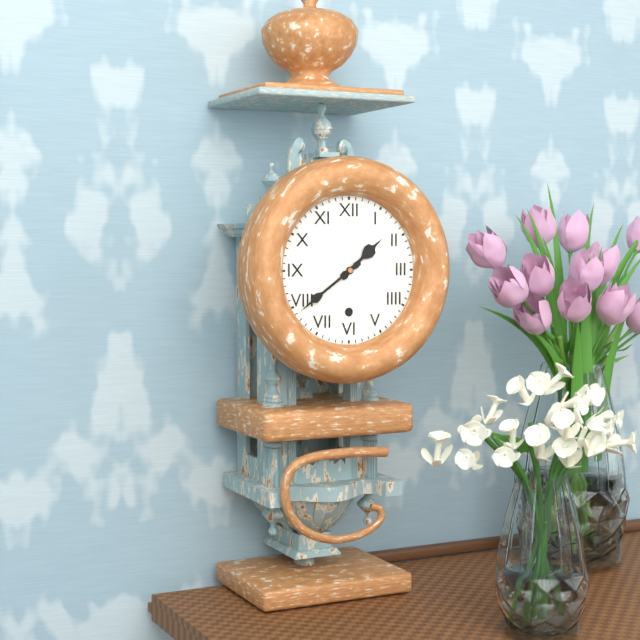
**1:39**
